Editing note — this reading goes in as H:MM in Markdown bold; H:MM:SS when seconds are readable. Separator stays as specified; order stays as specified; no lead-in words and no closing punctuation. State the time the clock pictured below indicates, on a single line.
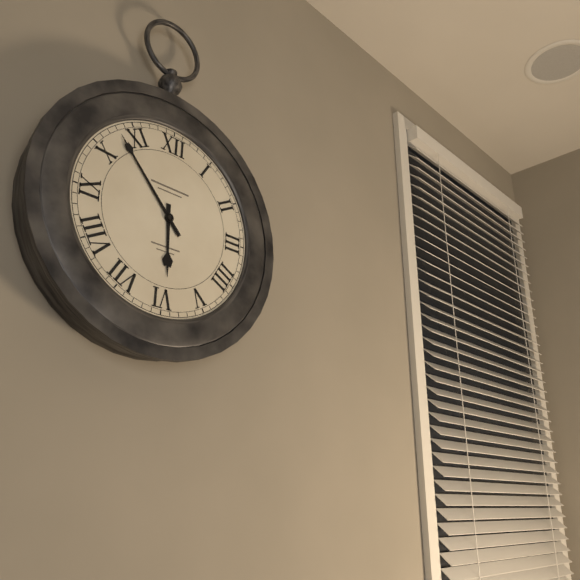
**5:53**
